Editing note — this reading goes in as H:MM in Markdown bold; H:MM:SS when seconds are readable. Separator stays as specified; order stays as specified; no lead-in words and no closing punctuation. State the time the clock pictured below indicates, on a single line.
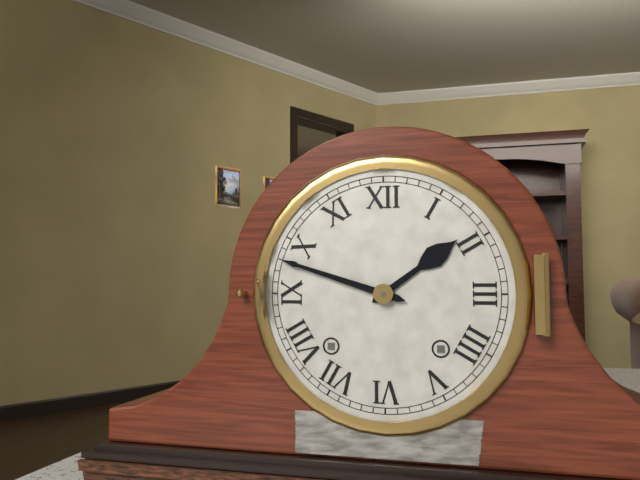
**1:48**
